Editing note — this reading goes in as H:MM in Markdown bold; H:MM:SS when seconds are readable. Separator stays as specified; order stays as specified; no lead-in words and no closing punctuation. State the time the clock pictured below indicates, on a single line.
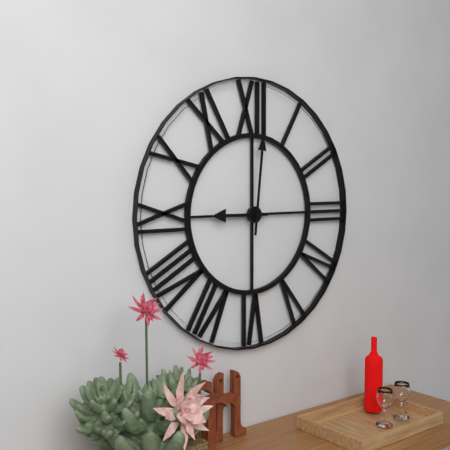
**9:01**
